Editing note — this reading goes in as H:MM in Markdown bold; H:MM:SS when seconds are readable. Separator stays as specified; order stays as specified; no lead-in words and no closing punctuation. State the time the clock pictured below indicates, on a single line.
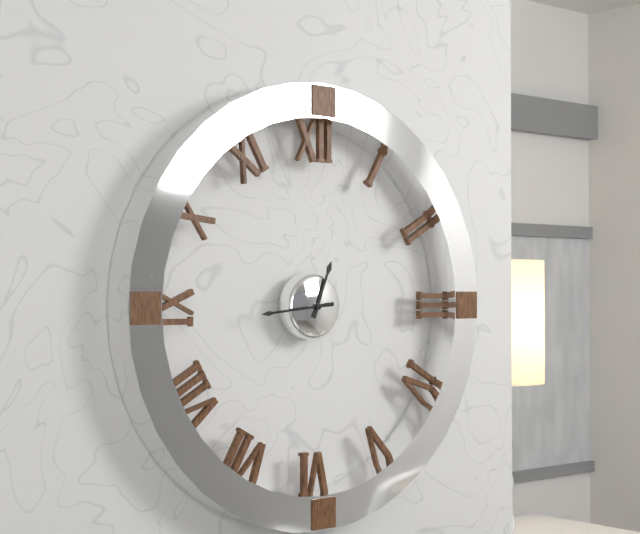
**12:44**
